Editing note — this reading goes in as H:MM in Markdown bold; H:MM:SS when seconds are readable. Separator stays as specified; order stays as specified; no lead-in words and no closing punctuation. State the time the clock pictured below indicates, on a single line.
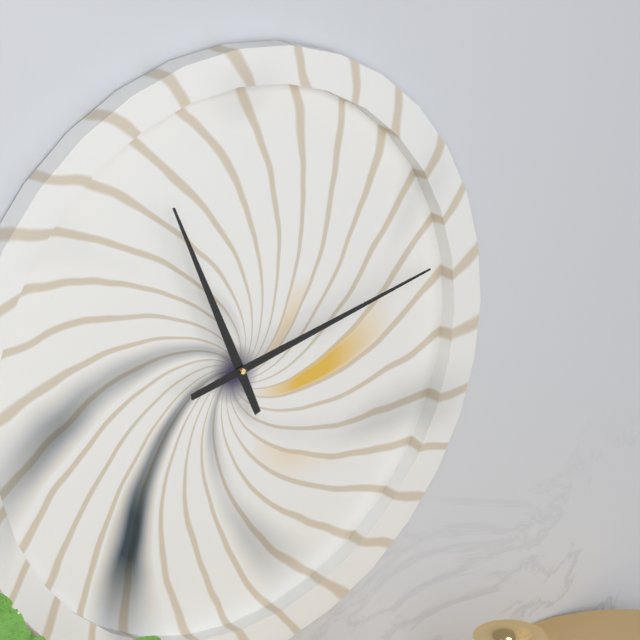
**11:13**
